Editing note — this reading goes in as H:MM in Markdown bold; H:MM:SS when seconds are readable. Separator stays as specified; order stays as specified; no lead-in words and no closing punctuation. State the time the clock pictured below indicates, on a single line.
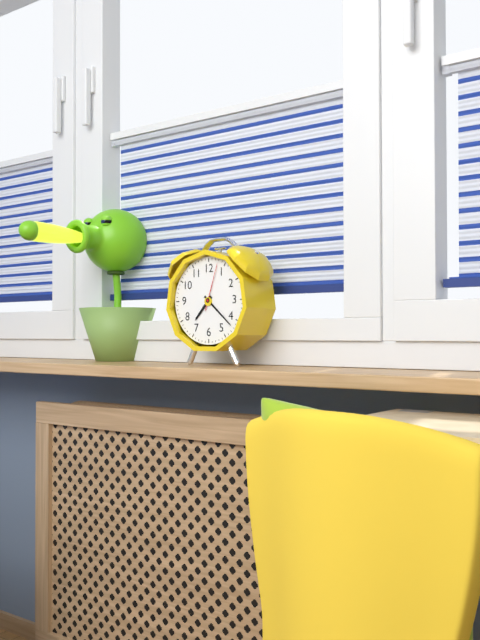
**7:22**
